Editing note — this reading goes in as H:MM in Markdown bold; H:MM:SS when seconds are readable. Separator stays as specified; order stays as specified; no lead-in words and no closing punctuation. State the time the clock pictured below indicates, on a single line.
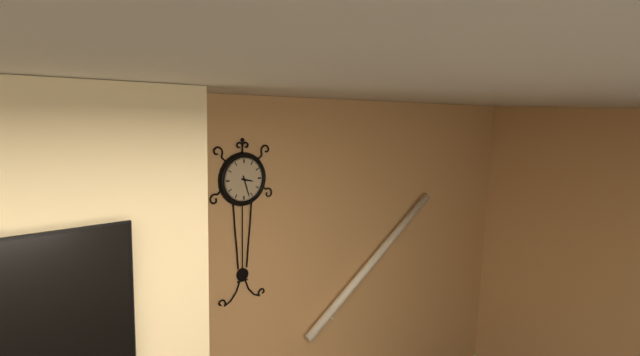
**3:27**
